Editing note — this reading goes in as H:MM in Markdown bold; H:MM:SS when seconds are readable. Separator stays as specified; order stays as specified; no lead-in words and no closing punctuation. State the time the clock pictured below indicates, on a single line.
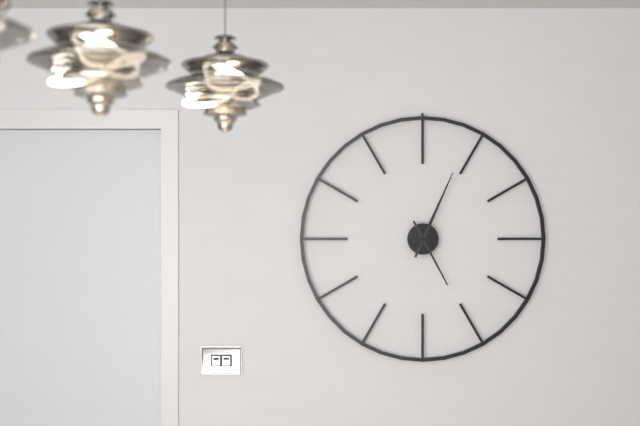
**5:04**
